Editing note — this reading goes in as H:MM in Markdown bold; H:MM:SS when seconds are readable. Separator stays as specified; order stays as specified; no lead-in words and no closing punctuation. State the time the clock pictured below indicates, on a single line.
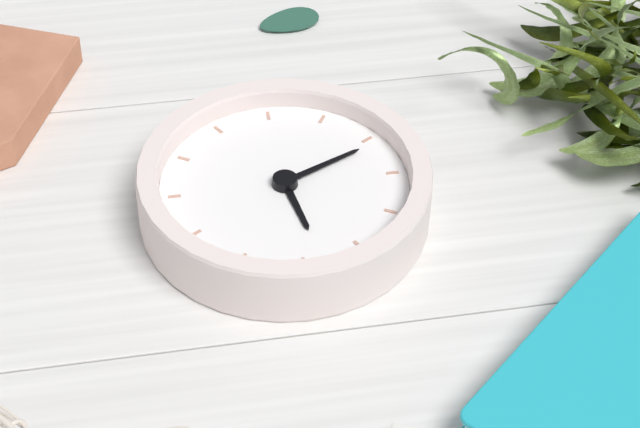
**11:41**
